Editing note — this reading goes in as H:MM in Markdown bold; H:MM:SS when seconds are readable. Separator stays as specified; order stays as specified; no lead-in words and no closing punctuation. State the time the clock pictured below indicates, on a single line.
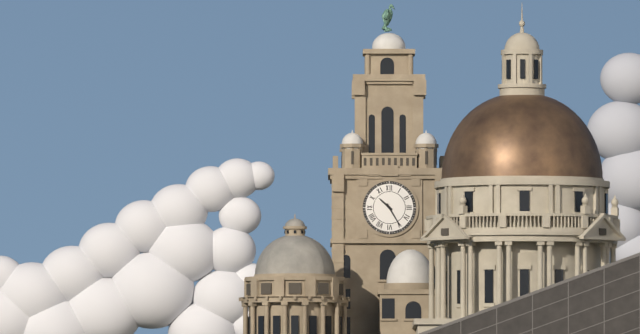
**10:25**
